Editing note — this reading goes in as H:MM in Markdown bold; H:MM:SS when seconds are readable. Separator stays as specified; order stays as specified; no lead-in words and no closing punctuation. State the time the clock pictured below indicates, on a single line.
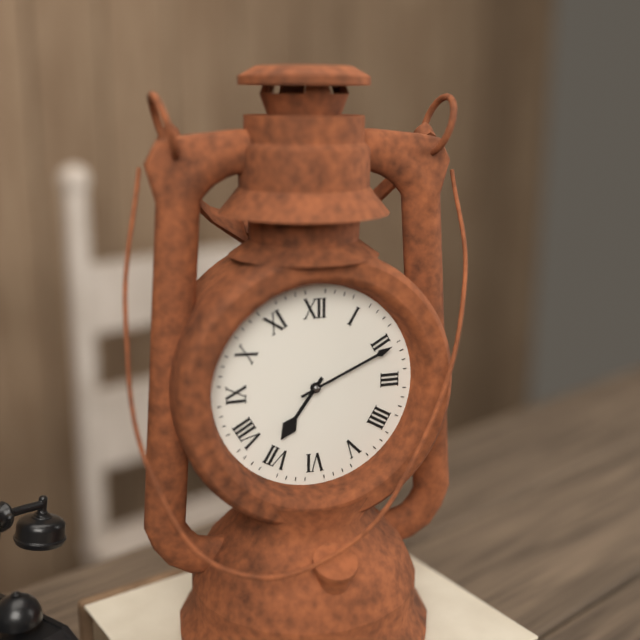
**7:11**
